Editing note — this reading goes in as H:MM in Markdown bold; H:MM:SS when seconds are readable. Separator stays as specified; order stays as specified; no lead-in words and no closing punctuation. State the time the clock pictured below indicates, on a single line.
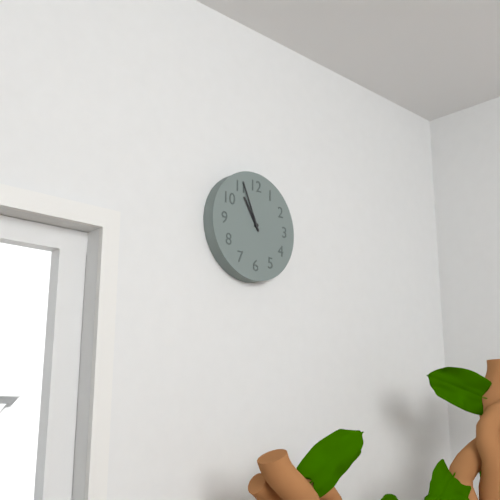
**10:56**
